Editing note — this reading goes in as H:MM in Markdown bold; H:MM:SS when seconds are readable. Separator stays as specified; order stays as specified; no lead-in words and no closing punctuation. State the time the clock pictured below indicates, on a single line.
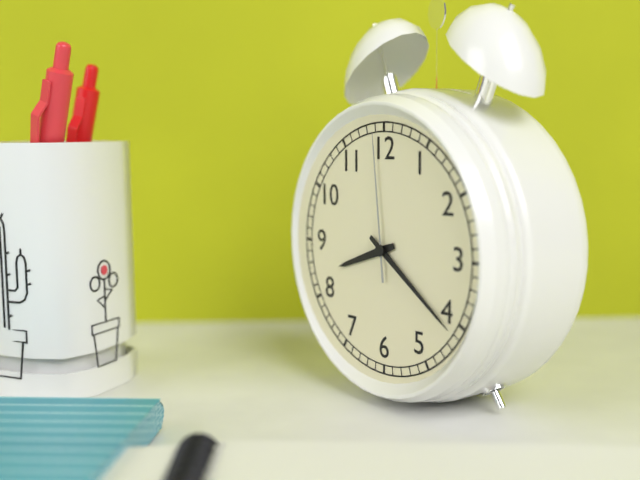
**8:21:59**
